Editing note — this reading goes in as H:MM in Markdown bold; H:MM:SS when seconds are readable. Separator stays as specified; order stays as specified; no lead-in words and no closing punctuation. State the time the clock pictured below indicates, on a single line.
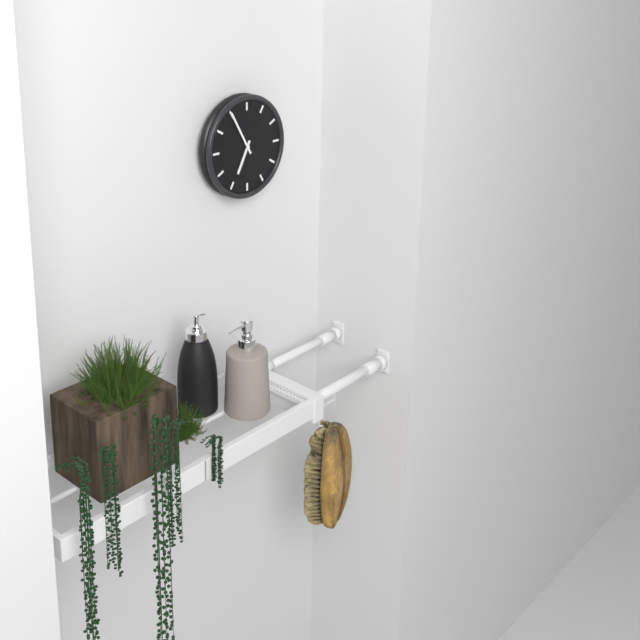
**6:55**
